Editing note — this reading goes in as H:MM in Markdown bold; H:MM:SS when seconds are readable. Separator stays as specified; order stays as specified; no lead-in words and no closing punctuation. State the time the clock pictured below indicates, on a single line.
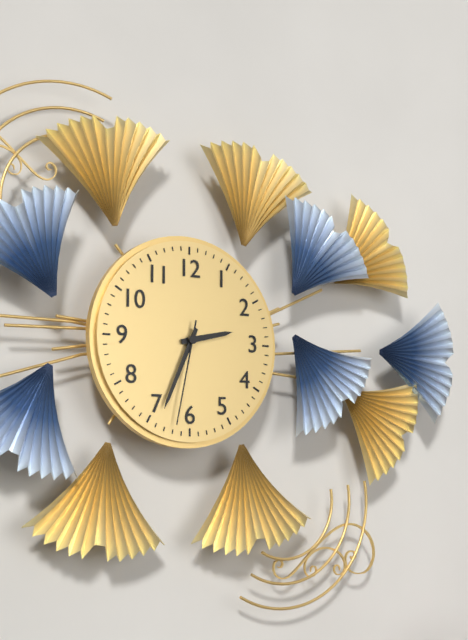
**2:34:32**
